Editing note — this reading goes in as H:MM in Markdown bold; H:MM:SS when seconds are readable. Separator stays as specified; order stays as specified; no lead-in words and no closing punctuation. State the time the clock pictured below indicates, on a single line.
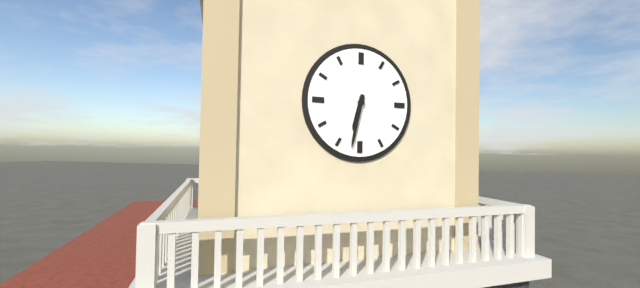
**6:32**
